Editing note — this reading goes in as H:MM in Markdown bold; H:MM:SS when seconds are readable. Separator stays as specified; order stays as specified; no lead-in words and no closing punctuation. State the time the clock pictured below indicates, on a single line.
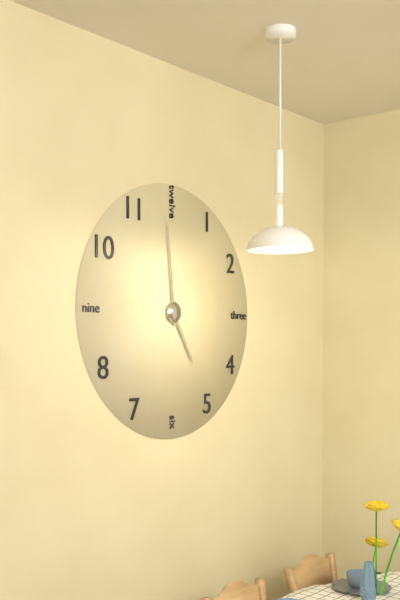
**4:59**
